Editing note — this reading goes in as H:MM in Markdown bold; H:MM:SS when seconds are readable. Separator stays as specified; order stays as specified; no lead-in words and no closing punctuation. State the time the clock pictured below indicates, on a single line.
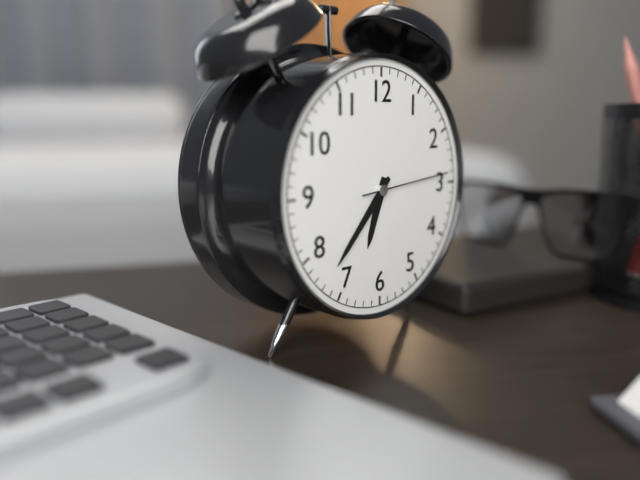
**6:37:14**
